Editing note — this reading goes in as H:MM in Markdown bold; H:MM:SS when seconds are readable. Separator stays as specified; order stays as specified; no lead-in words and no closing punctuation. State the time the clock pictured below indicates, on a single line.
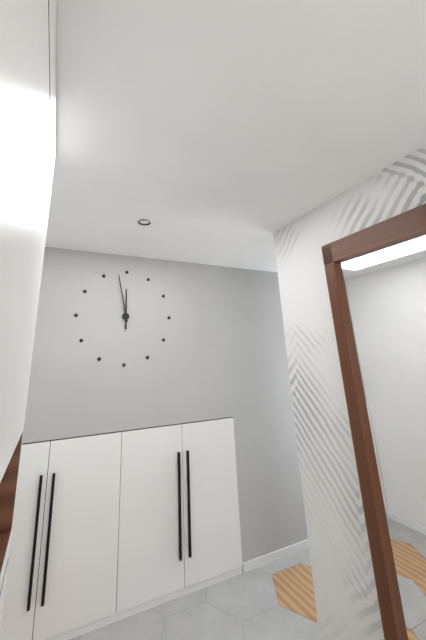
**11:58**
